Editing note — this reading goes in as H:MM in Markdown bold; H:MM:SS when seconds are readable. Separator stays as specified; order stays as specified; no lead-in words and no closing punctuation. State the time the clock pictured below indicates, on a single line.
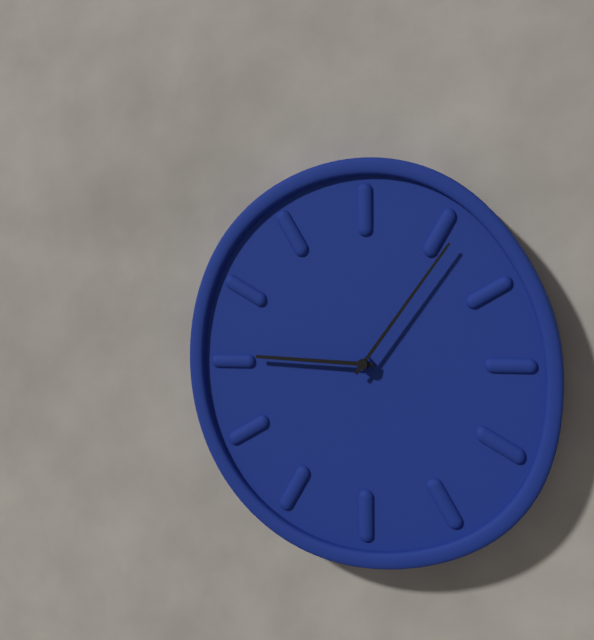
**9:06**
